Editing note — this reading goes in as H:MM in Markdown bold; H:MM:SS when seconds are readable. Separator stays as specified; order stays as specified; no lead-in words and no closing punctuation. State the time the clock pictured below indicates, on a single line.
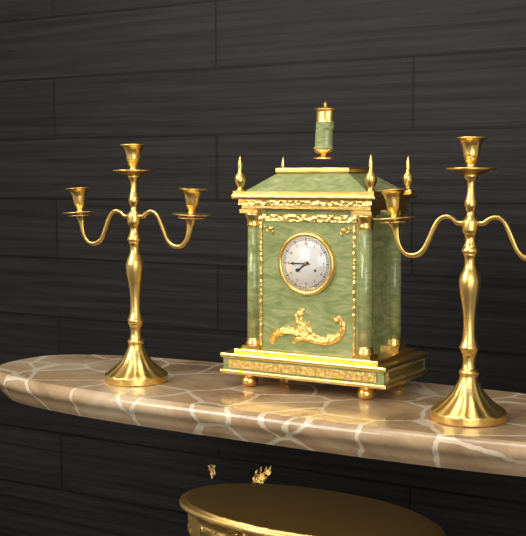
**7:45**
